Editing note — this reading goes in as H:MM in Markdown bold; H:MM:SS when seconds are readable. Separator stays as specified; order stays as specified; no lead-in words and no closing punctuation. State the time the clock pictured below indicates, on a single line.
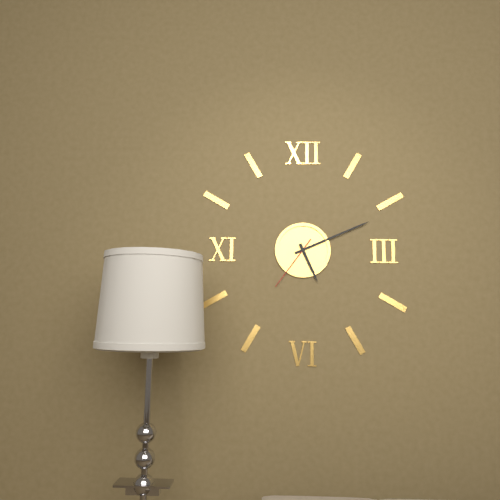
**5:11:36**
